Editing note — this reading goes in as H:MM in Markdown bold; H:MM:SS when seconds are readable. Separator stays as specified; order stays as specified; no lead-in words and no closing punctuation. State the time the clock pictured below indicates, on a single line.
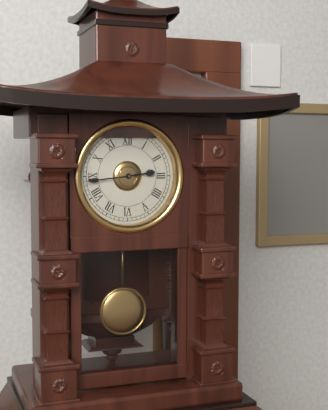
**2:44**
